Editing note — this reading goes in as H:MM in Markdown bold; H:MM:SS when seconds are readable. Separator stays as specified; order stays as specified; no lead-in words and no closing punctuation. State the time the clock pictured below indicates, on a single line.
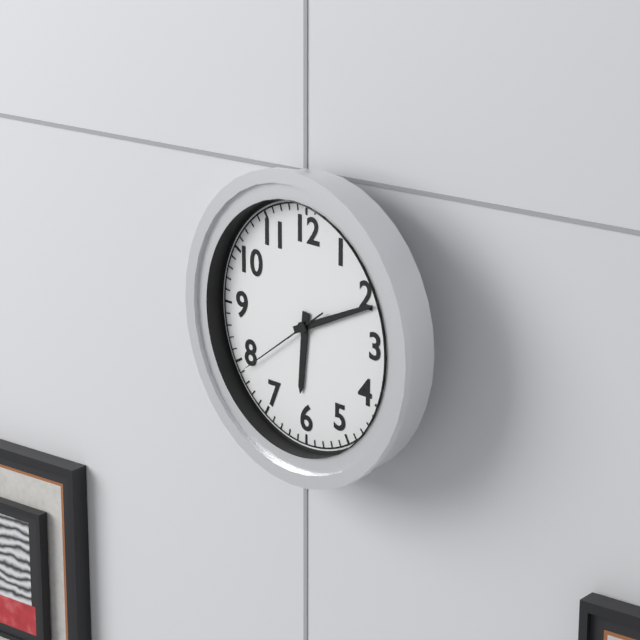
**6:11:39**
